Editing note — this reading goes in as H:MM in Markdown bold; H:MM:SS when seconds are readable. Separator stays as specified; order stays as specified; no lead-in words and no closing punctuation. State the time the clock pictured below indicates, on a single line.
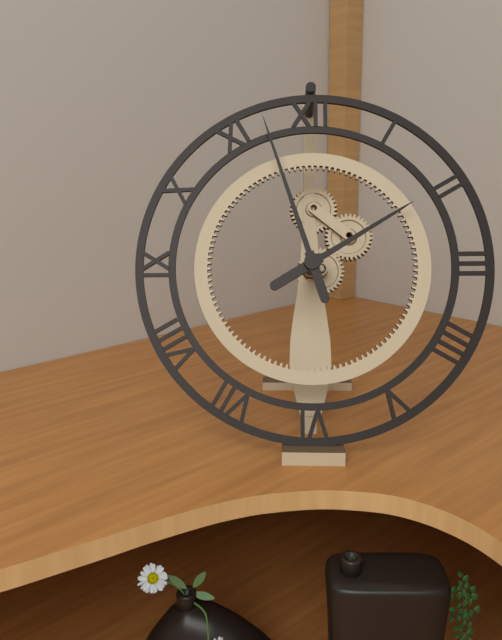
**1:57**
